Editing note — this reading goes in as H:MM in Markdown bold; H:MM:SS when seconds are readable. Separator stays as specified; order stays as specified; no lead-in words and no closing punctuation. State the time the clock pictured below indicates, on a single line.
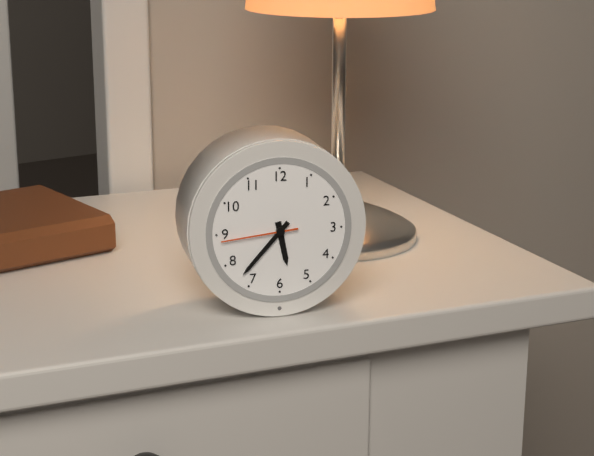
**5:37:44**
